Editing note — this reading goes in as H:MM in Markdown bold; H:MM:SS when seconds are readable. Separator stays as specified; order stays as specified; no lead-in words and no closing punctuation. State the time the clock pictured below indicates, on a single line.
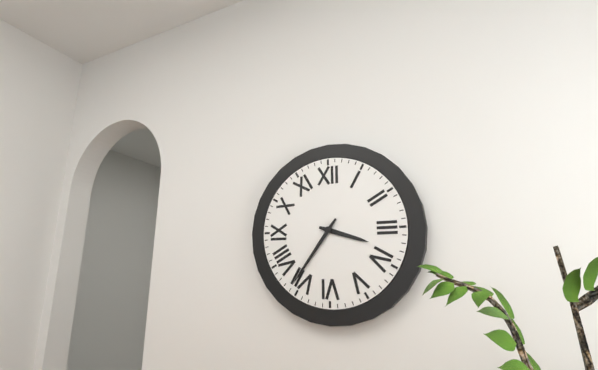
**3:36**
